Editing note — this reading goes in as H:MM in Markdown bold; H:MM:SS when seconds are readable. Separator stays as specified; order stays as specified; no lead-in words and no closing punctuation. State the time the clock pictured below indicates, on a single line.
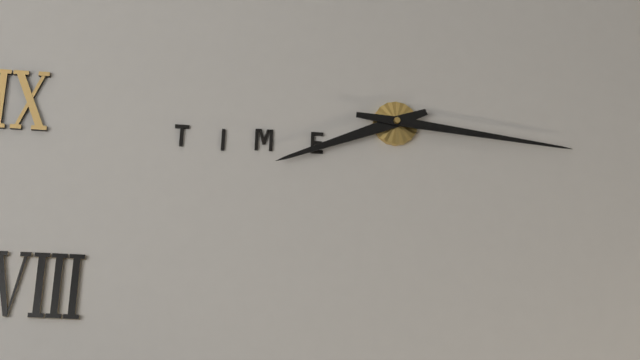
**8:16**
